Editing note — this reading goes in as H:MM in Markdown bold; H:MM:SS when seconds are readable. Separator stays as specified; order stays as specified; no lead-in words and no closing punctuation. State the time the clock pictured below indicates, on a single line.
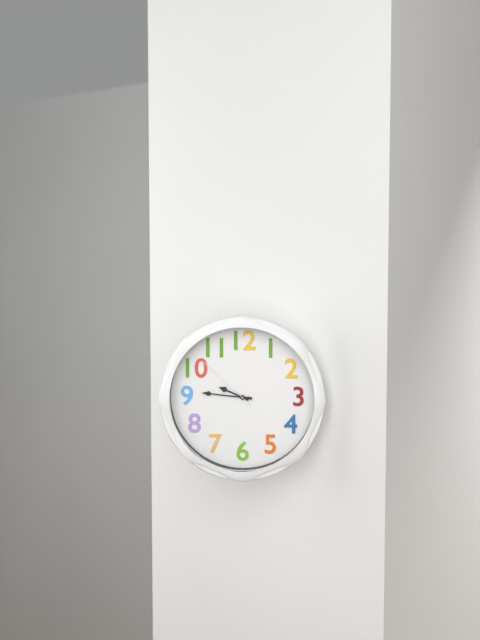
**9:46:52**
